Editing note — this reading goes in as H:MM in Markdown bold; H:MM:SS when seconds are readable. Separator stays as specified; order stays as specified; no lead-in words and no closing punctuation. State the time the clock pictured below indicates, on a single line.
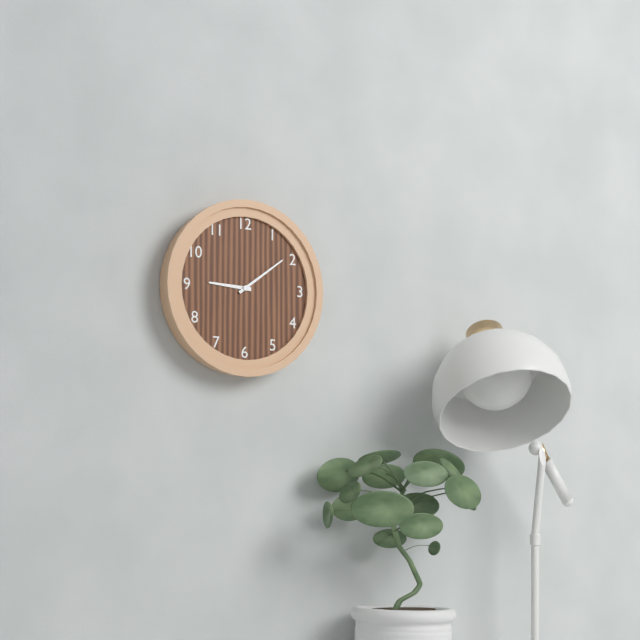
**9:09**
